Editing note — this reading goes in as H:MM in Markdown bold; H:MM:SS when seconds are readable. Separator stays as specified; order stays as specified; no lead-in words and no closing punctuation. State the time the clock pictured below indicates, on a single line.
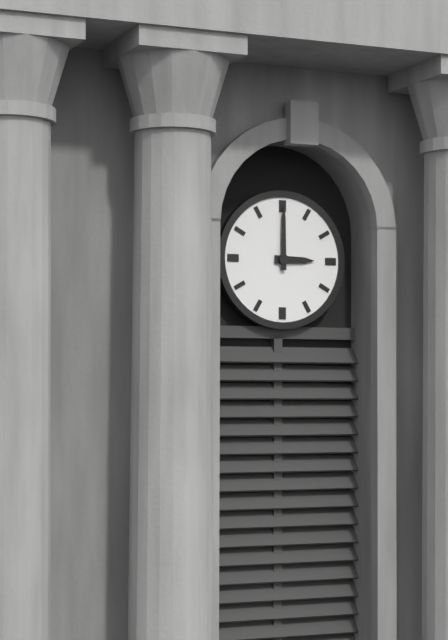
**3:00**
